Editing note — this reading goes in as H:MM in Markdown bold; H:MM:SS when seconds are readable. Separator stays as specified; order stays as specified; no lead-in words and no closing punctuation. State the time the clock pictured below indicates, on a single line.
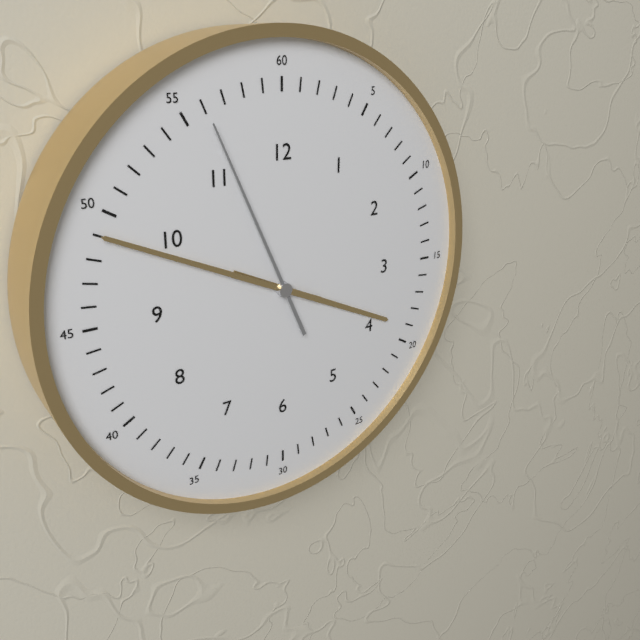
**3:49:56**
